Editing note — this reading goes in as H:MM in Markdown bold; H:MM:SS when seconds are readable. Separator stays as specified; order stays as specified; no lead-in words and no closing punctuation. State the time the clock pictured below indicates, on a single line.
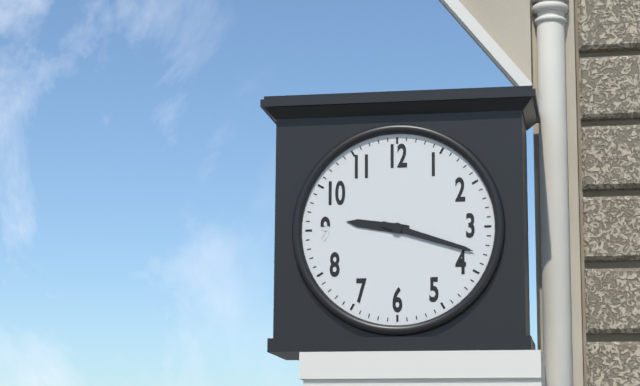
**9:18**
